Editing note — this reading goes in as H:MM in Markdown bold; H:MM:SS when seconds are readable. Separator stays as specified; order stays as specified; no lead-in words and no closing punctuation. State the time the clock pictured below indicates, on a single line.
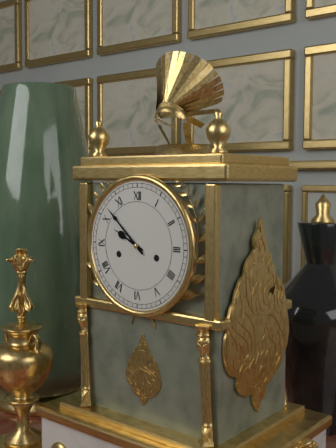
**9:52**
